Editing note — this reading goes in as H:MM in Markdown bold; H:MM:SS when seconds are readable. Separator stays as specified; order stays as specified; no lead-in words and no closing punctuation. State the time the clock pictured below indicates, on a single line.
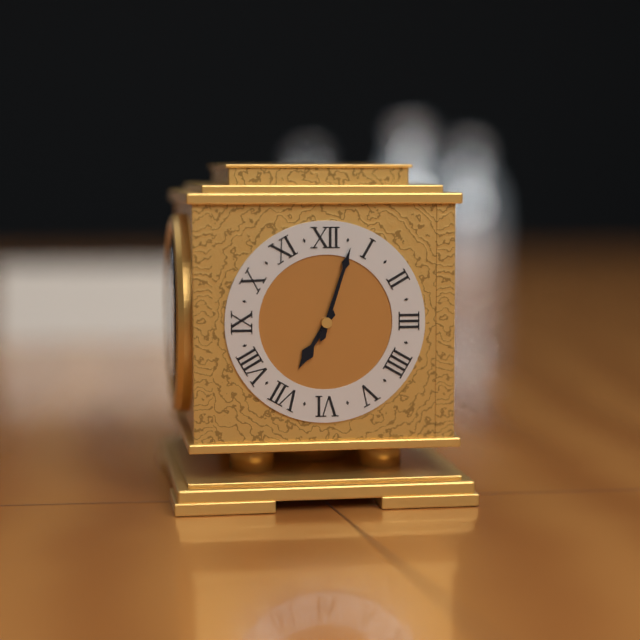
**7:03**
